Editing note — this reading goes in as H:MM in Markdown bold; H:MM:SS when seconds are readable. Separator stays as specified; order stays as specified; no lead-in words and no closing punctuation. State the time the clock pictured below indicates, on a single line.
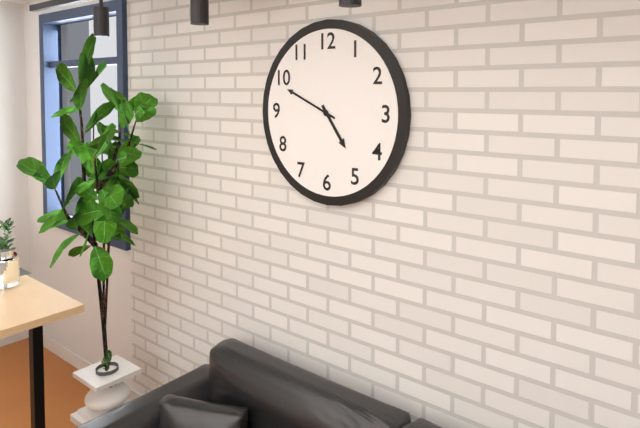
**4:49**
